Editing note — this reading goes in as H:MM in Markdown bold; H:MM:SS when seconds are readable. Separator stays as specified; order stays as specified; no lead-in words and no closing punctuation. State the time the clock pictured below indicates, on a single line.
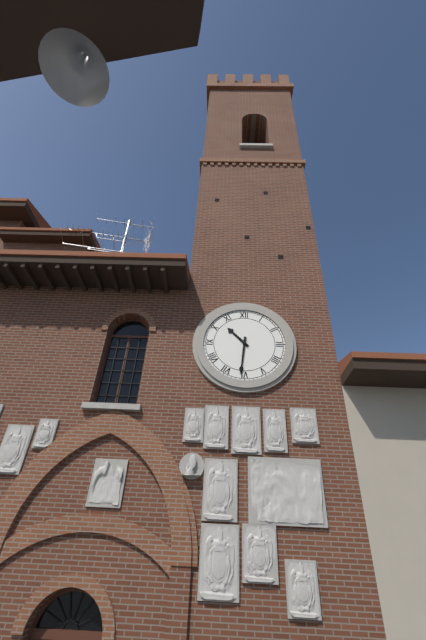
**10:31**
